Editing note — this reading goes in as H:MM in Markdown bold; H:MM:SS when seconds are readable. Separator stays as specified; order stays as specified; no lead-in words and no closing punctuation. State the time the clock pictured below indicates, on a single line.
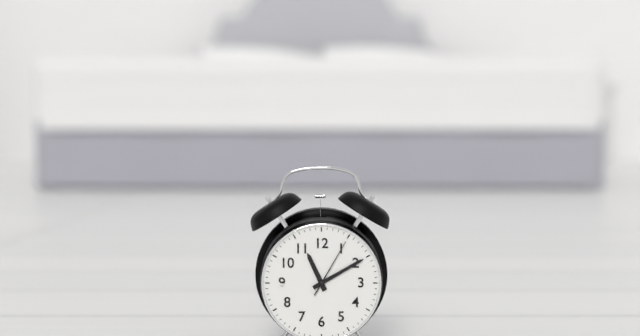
**11:10:05**
